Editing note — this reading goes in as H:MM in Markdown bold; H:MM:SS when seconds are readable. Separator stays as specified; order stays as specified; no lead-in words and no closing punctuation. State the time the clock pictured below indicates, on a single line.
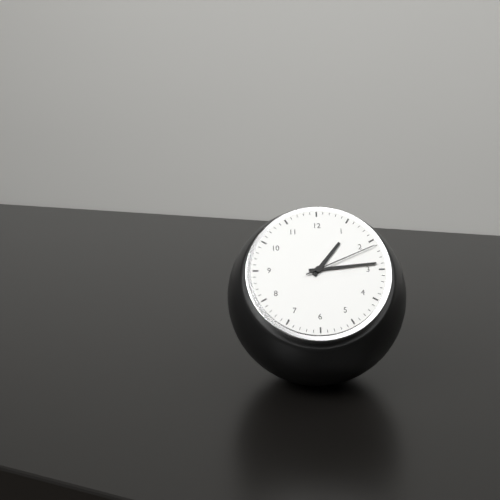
**1:14:11**
